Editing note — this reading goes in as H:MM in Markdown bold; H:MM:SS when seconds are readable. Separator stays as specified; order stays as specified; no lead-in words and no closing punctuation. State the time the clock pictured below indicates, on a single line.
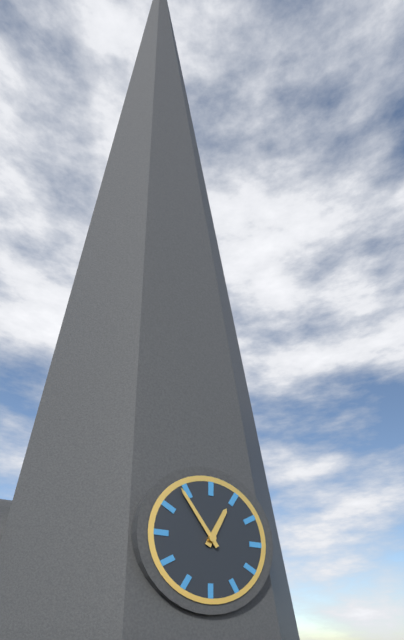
**12:54**
